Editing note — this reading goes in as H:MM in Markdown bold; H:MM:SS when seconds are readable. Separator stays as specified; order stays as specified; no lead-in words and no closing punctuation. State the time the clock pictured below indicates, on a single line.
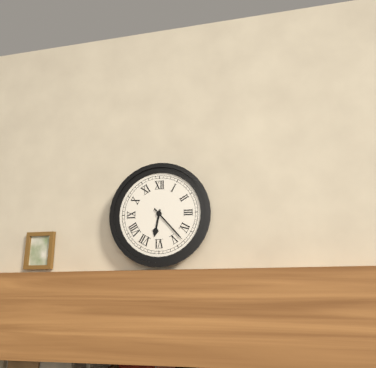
**6:23**
